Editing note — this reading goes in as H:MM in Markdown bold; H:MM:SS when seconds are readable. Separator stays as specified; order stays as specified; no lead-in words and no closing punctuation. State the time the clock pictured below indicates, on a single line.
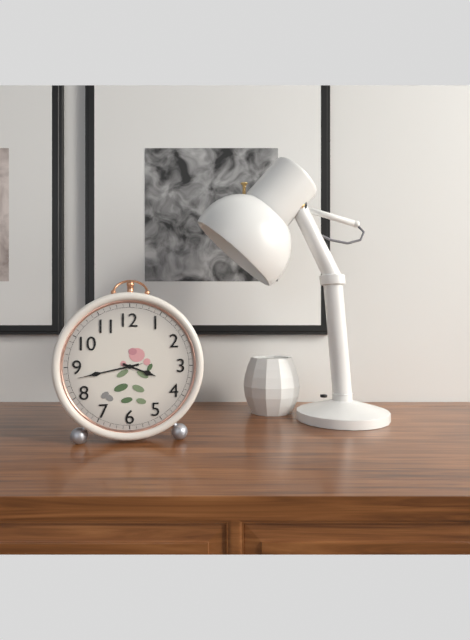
**3:43:43**
